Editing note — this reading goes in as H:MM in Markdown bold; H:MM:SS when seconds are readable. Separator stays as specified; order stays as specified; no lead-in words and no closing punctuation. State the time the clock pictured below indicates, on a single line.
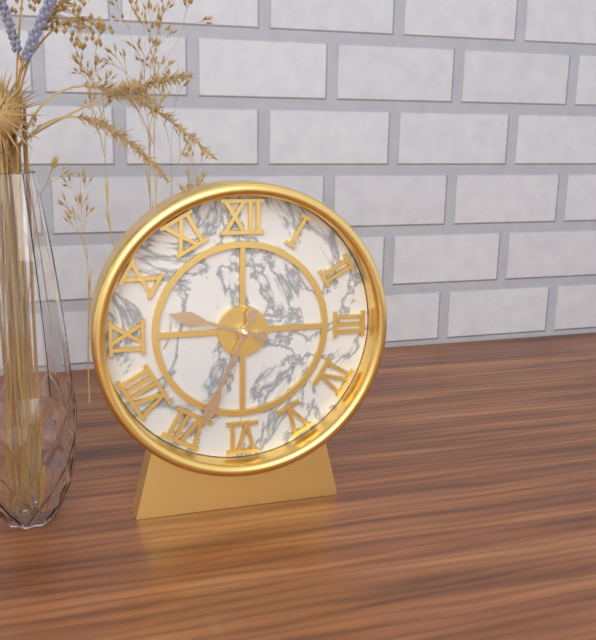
**9:34**
